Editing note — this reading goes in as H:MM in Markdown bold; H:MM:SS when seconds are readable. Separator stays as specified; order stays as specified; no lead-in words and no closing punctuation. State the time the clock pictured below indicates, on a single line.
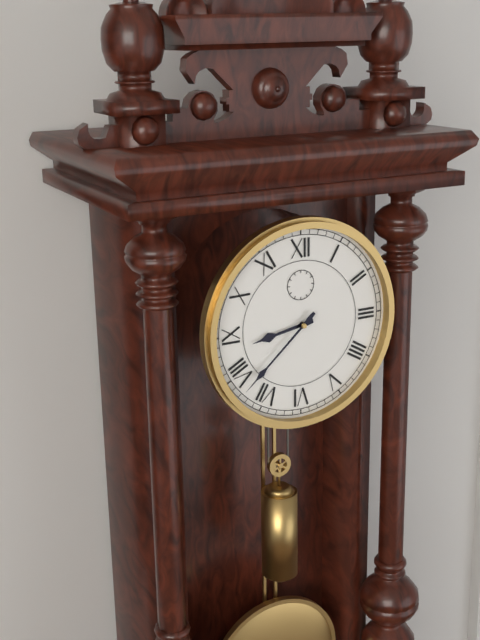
**8:38**
